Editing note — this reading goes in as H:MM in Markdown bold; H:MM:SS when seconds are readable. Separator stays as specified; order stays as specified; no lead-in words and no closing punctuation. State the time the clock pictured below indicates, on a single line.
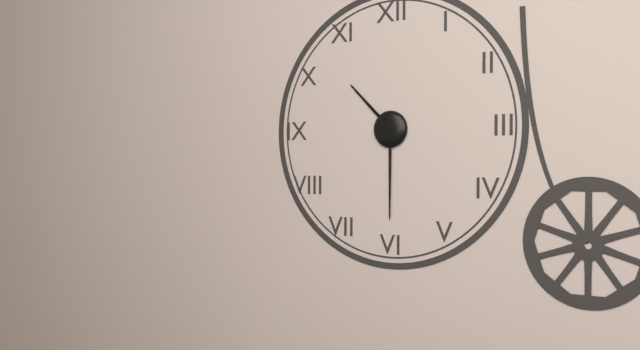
**10:30**
